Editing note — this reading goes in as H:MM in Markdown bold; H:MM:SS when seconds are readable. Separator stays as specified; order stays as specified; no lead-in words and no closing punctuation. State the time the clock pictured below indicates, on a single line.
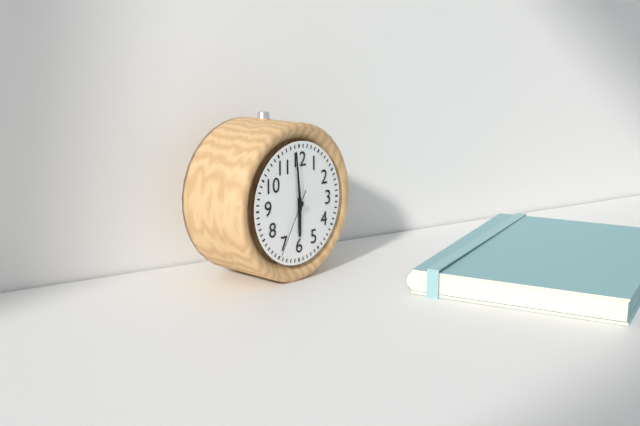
**5:59:35**
